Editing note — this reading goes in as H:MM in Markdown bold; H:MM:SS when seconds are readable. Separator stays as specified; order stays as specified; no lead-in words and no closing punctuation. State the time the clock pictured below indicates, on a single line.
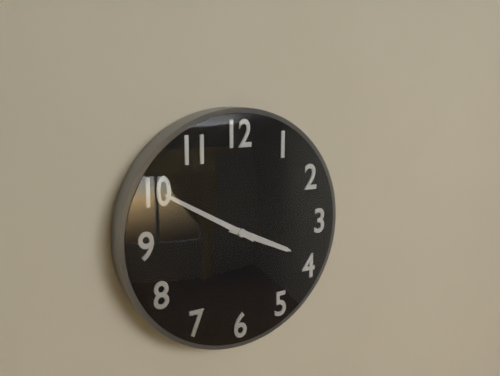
**3:50**
